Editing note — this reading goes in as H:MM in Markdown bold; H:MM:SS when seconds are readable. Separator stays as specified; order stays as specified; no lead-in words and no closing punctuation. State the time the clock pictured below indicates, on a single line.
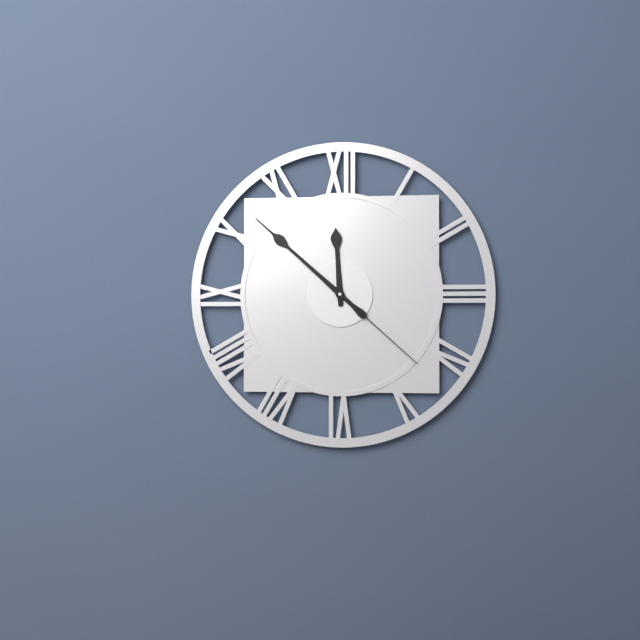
**11:52:22**
